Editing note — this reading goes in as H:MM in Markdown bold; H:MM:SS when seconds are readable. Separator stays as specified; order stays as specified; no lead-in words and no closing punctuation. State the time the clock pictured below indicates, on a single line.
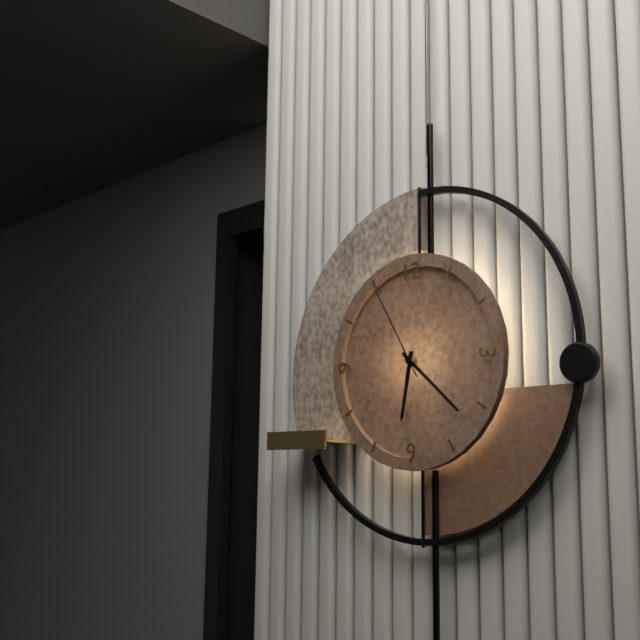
**6:22:55**
